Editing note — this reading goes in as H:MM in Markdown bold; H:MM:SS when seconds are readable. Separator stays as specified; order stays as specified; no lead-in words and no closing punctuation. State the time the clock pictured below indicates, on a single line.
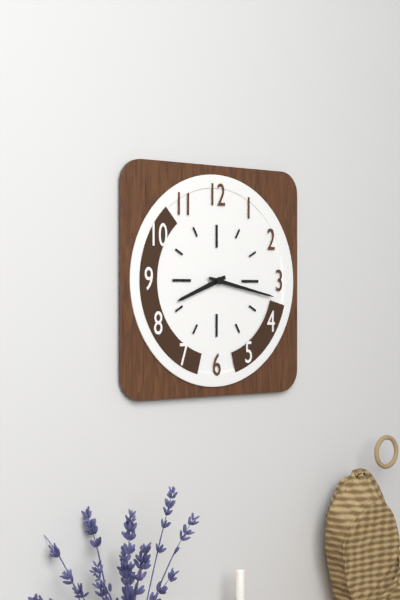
**8:17**
